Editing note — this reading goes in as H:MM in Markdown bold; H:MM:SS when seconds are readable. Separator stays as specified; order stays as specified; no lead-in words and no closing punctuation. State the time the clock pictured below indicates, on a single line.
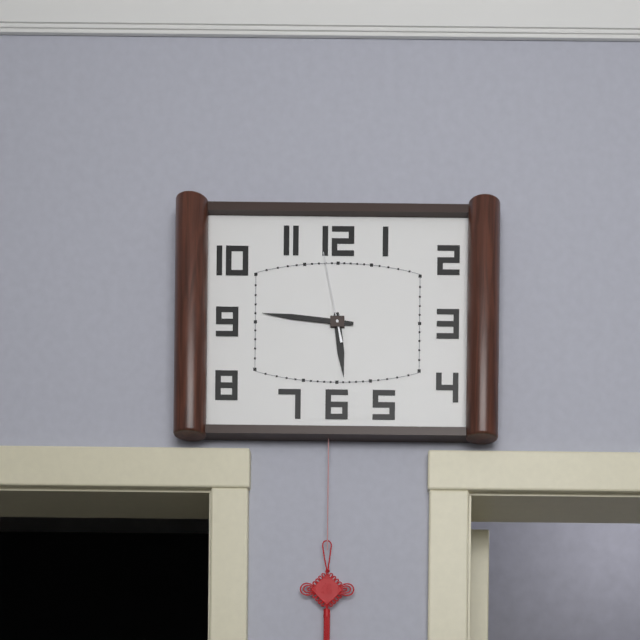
**5:46:58**
